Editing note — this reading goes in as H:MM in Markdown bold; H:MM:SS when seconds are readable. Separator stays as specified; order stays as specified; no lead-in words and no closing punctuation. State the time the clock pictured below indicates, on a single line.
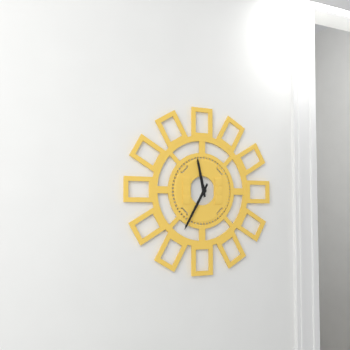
**11:35**
